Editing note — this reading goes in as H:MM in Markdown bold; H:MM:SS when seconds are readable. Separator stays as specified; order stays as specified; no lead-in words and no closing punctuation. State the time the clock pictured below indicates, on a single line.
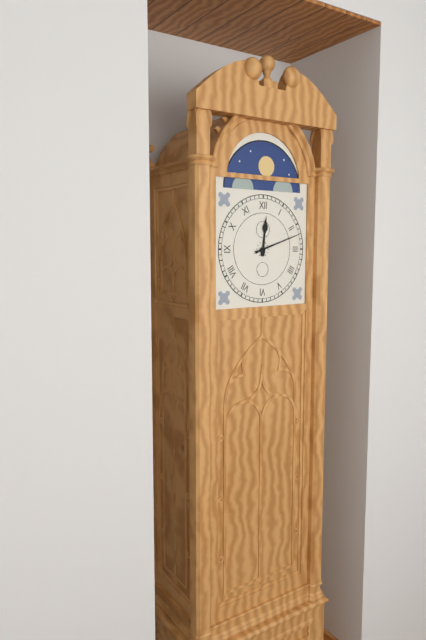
**12:12**
